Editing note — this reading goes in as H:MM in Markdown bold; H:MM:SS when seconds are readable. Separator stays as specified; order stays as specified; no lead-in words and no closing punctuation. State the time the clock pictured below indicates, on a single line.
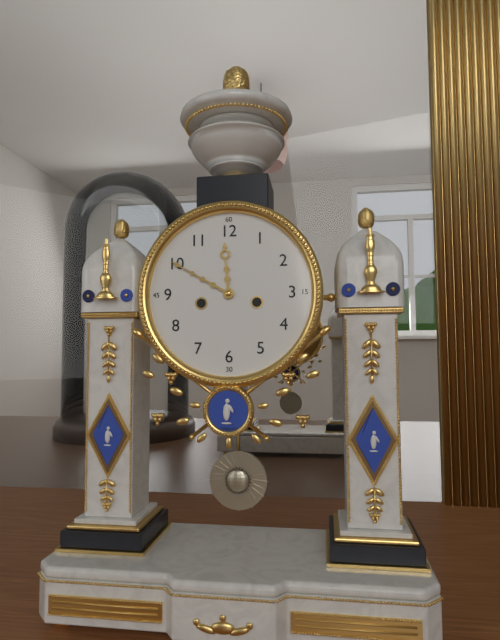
**11:50**
